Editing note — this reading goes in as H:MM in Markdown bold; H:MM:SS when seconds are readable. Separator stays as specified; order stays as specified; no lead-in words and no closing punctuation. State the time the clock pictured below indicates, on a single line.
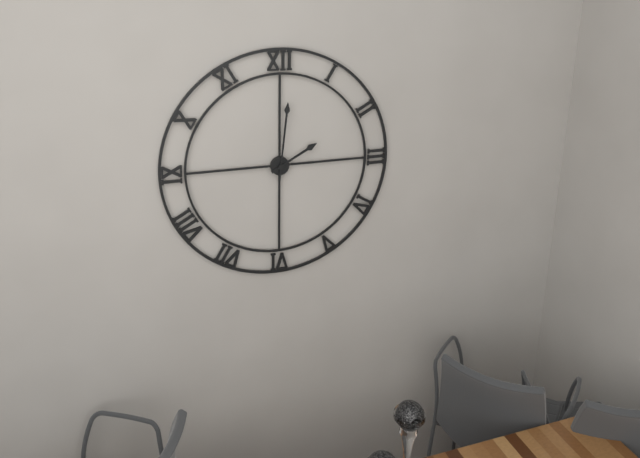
**2:01**
